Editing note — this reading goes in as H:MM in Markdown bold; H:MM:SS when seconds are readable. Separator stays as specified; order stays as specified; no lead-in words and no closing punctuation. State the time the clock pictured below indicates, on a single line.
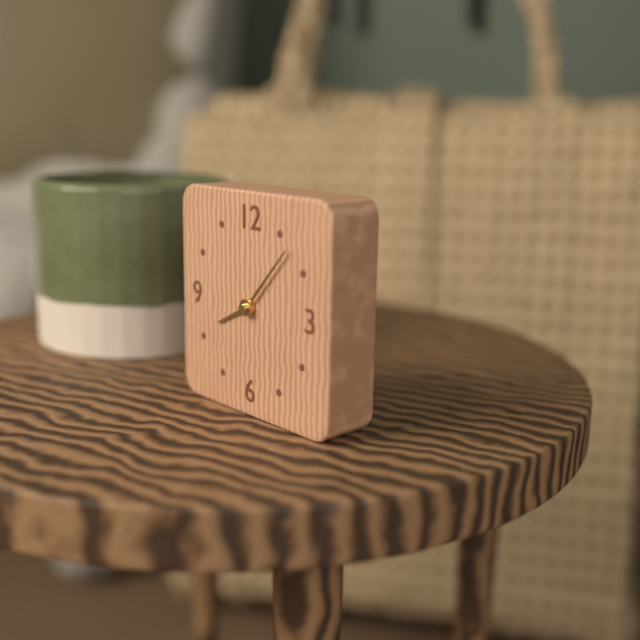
**8:07**
